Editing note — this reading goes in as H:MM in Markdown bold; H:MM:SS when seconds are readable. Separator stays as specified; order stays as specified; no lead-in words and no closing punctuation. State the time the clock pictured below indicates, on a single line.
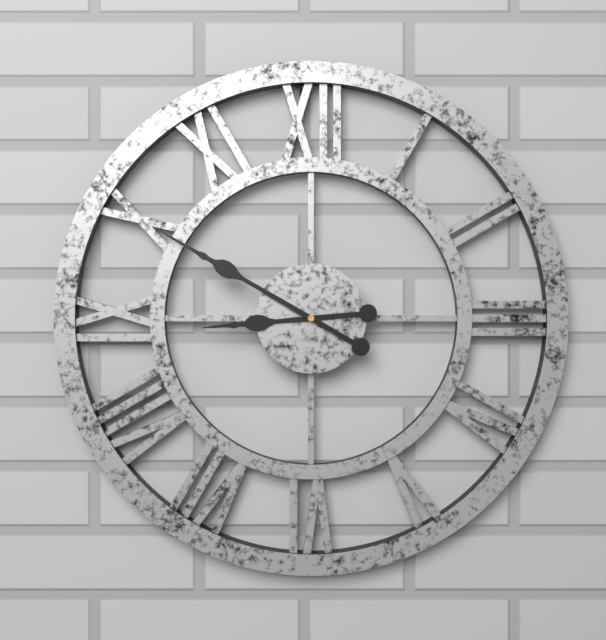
**8:50**
